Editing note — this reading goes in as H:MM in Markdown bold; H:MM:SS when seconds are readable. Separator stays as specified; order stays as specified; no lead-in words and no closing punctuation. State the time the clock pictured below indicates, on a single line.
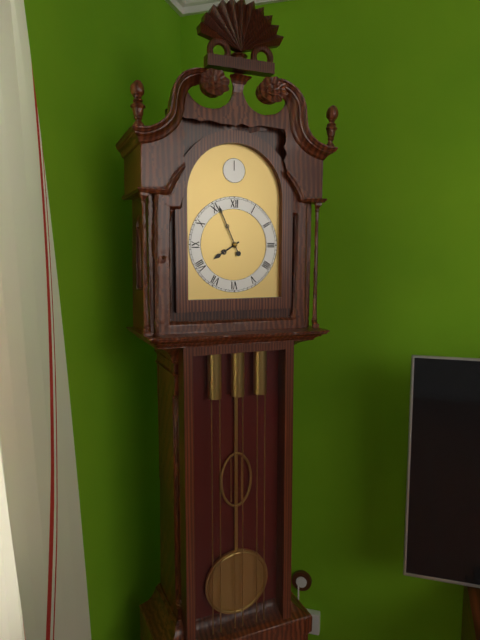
**7:56**
